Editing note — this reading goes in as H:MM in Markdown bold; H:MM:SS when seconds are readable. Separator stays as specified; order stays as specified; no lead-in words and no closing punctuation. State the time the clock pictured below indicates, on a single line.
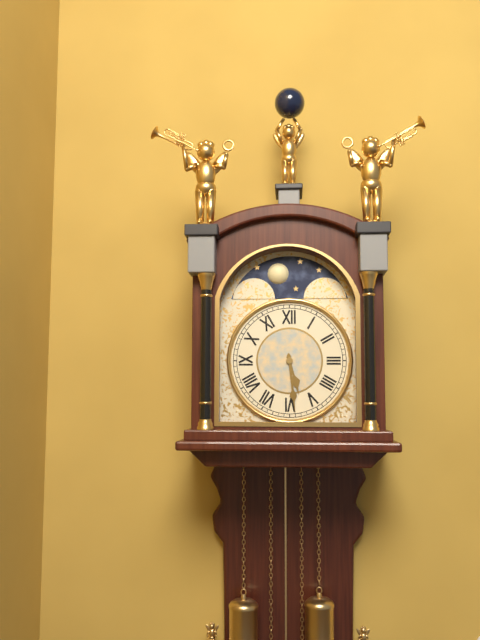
**5:29**
